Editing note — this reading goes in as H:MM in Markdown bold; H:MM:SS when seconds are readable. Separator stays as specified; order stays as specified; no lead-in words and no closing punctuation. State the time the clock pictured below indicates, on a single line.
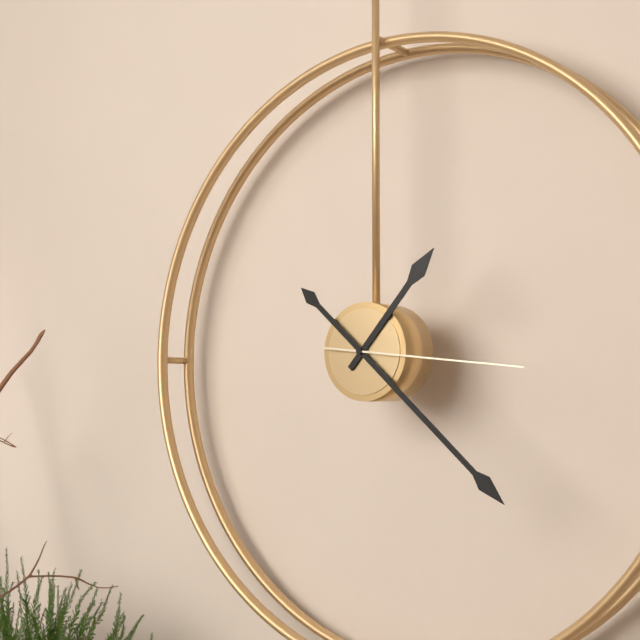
**1:22:16**
